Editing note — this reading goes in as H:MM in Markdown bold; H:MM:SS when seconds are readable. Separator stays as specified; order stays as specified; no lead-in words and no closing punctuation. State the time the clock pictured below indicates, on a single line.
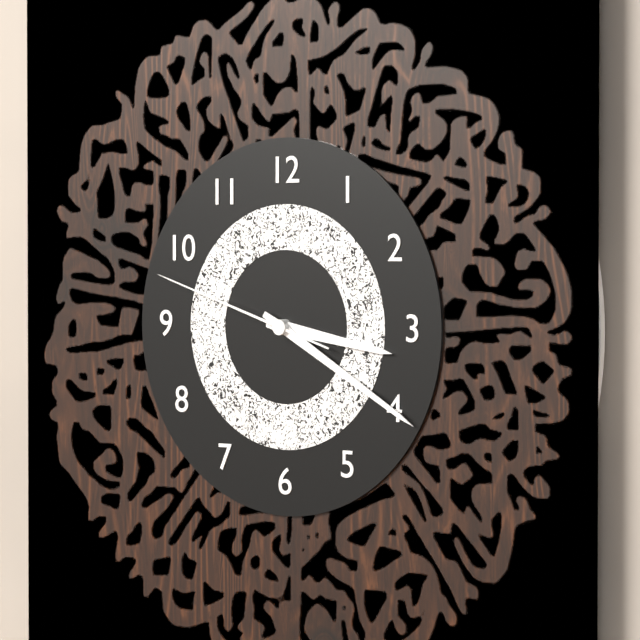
**3:20:48**
